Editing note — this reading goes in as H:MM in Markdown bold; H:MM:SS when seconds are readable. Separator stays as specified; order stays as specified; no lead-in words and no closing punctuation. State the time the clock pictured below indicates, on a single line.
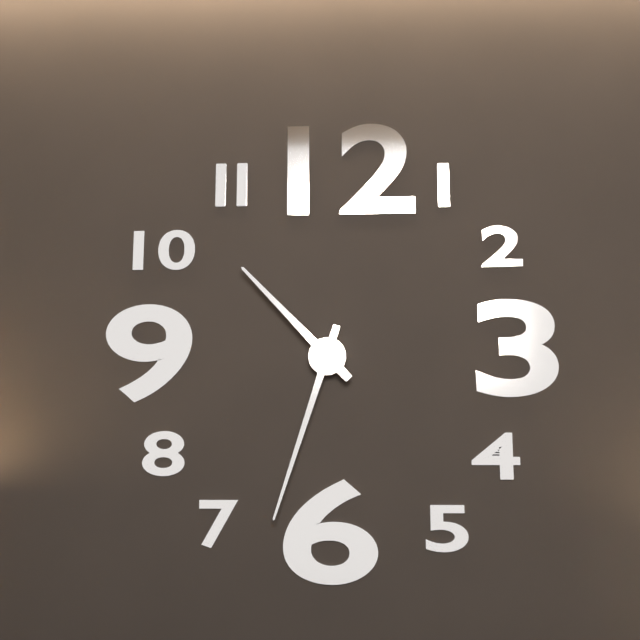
**10:33**
